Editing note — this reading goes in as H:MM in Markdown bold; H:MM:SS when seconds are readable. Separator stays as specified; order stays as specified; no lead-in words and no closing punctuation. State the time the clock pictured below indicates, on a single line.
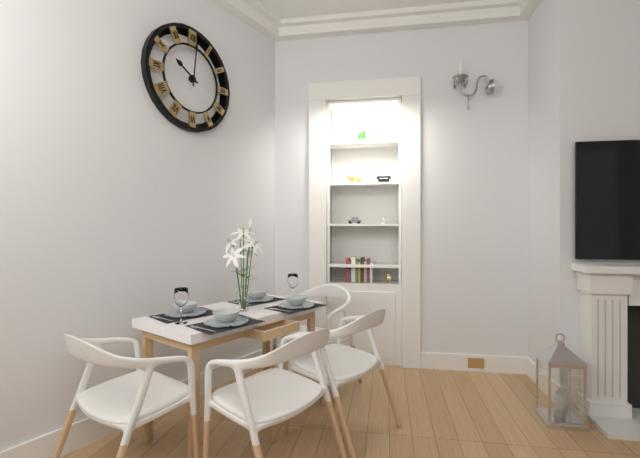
**10:01**
